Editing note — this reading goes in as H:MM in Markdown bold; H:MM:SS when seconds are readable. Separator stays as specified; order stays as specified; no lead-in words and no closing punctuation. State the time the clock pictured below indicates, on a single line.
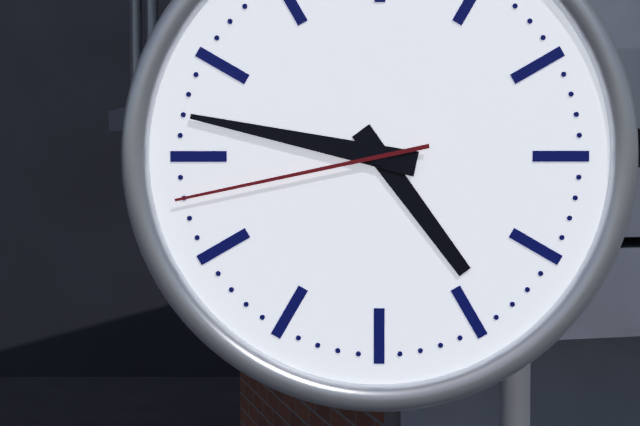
**4:47:43**
